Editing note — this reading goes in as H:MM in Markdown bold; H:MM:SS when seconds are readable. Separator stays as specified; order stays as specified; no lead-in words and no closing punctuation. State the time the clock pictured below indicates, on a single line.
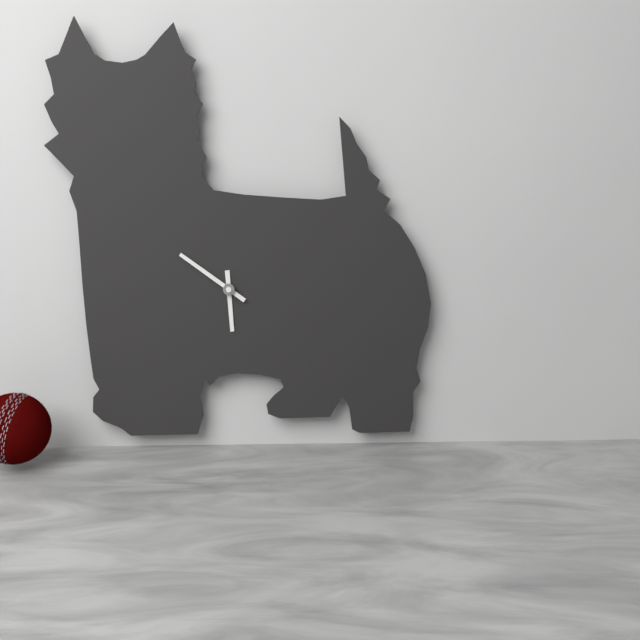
**5:51**
